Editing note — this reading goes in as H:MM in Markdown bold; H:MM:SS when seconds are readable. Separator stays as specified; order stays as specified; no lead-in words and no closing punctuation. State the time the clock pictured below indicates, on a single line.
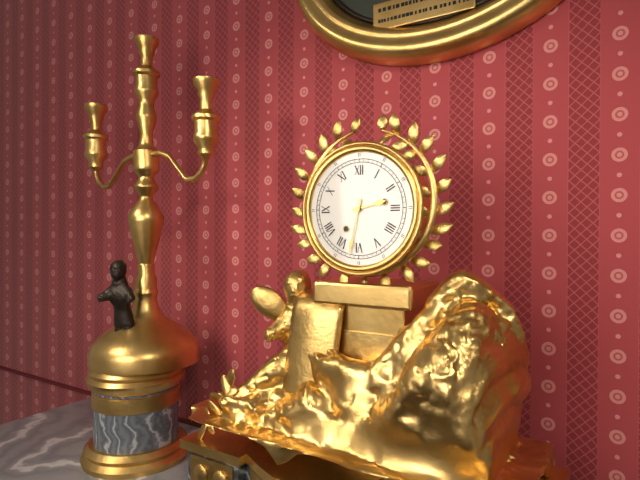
**2:32**
